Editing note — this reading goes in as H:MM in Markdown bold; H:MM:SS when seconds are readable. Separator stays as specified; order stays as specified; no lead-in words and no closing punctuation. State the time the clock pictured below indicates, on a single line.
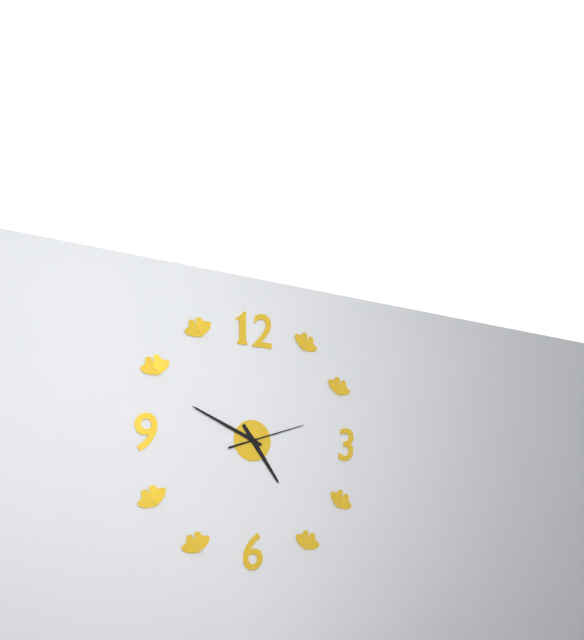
**4:49:12**
